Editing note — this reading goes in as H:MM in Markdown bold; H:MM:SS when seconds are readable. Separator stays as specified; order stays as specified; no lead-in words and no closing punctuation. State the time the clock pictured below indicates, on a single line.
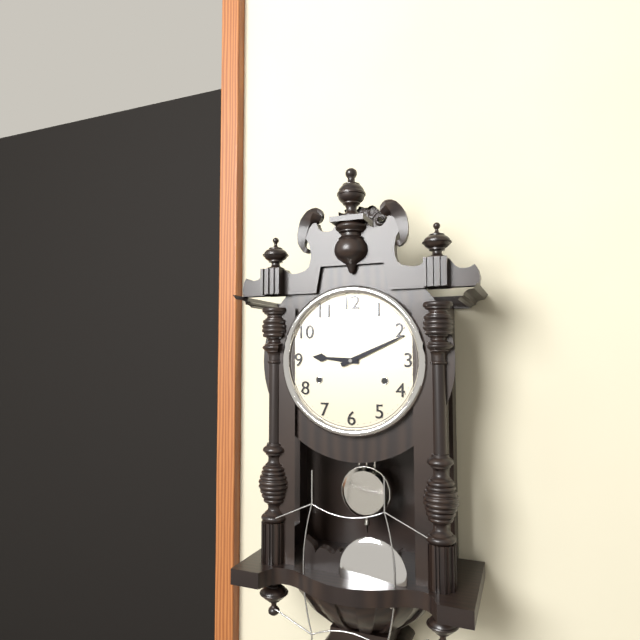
**9:11**
